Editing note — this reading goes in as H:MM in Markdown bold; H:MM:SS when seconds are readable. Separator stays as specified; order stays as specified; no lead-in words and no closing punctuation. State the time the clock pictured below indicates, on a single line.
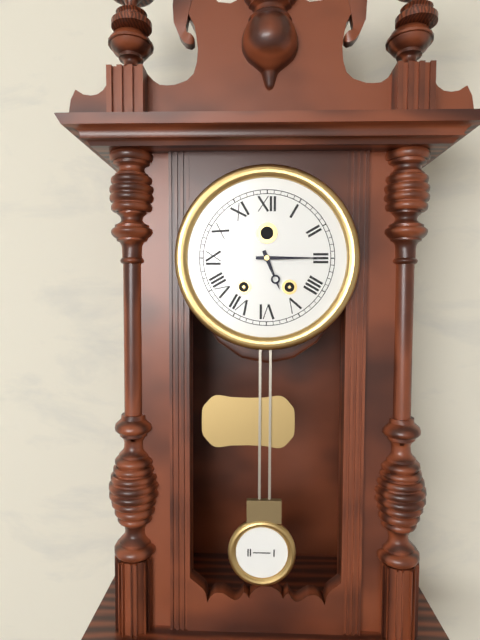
**5:15**
